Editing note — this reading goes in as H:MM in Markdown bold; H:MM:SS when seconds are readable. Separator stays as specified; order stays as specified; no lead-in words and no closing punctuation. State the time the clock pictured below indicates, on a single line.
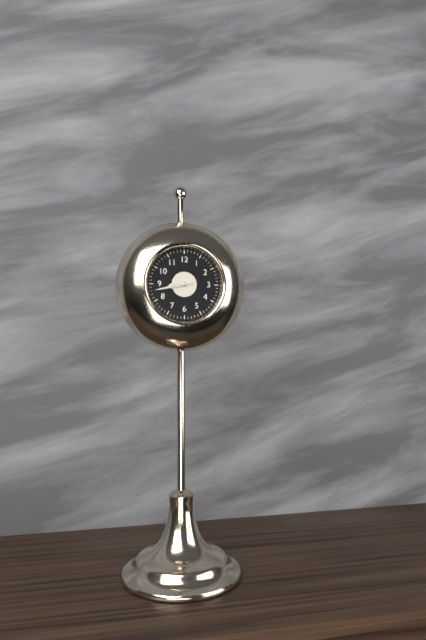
**8:43**
